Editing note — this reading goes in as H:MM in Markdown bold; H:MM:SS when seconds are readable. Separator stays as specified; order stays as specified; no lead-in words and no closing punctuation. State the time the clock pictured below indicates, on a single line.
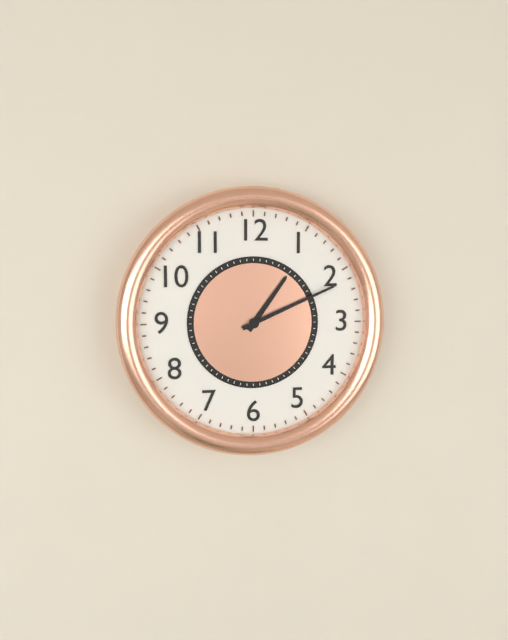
**1:11**
